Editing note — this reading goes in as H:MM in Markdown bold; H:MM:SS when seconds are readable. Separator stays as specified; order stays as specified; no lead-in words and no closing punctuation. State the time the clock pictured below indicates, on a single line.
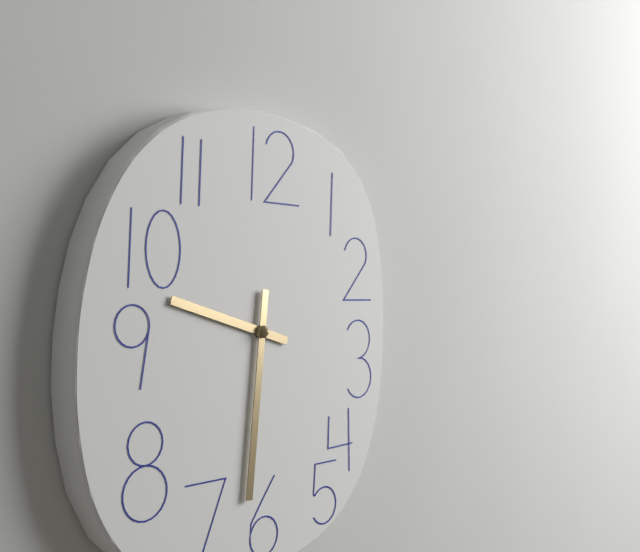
**9:31**
